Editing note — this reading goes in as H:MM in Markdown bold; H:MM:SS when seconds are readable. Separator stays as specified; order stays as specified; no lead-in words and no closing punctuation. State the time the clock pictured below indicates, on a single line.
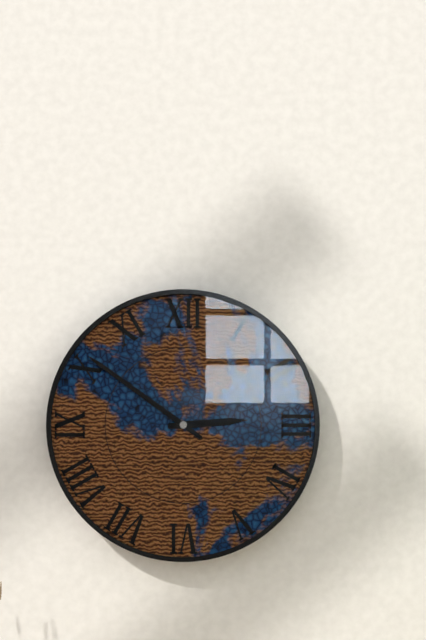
**2:51**
